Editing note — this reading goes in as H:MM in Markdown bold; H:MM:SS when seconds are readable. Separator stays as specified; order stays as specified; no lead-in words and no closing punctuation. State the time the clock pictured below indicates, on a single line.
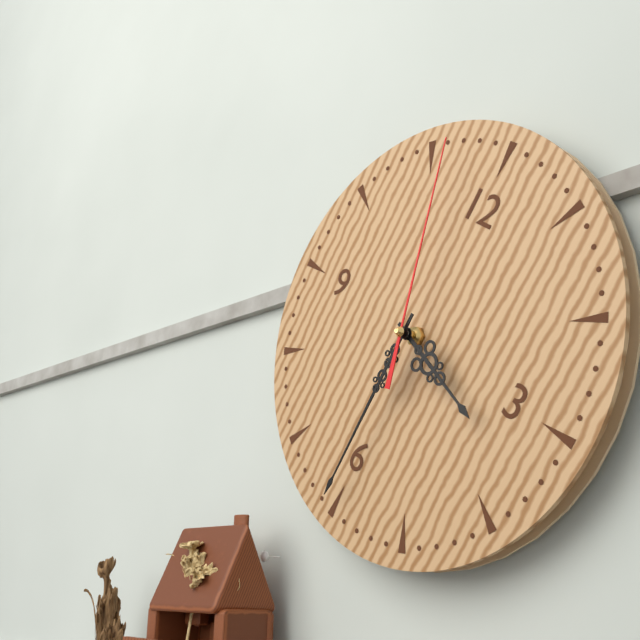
**3:30:57**
